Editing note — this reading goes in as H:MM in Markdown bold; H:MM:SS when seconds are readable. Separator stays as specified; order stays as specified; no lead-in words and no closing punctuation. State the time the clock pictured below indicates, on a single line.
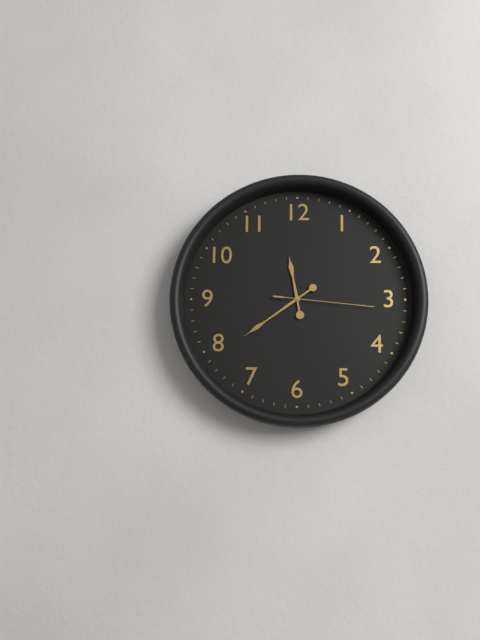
**11:39:16**
